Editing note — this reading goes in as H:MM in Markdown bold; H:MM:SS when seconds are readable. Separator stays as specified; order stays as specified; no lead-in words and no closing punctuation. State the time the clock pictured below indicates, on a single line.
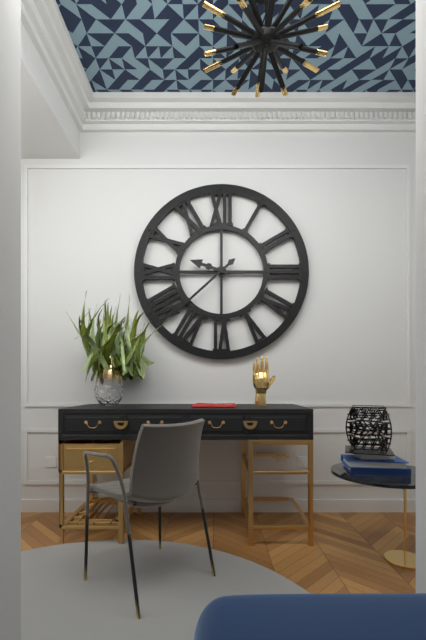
**9:38**
